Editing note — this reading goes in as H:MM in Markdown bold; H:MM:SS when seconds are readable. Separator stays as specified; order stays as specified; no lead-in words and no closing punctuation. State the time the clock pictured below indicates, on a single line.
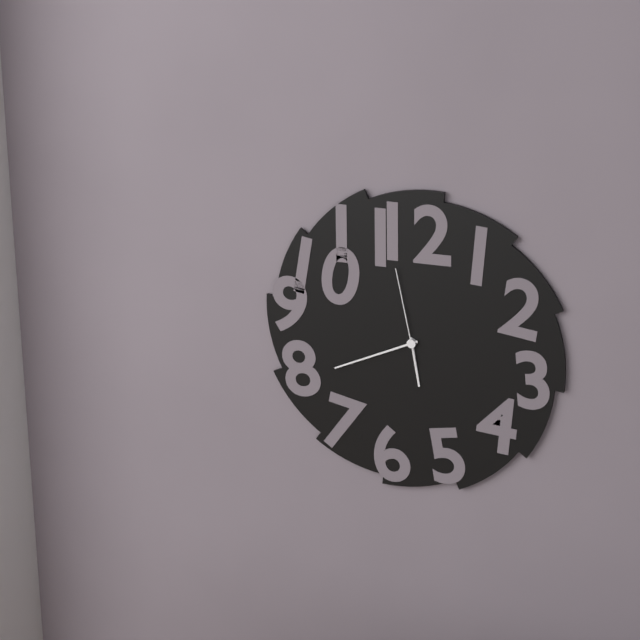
**5:41:58**
